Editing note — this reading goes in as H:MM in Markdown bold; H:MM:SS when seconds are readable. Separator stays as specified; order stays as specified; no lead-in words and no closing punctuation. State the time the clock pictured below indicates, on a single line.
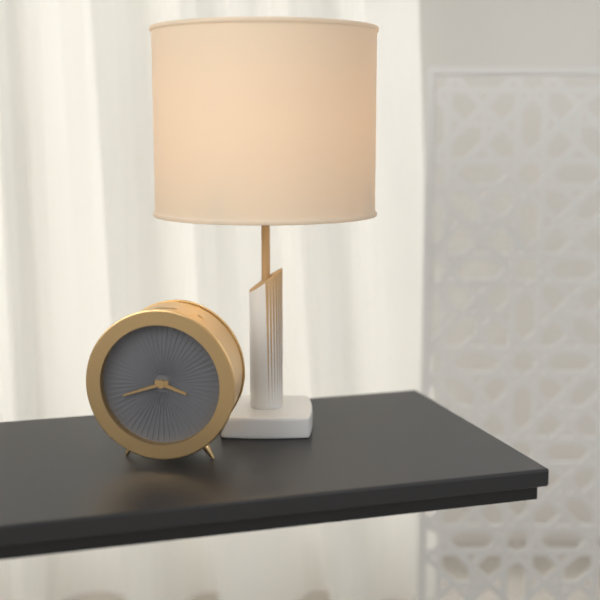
**3:42**
